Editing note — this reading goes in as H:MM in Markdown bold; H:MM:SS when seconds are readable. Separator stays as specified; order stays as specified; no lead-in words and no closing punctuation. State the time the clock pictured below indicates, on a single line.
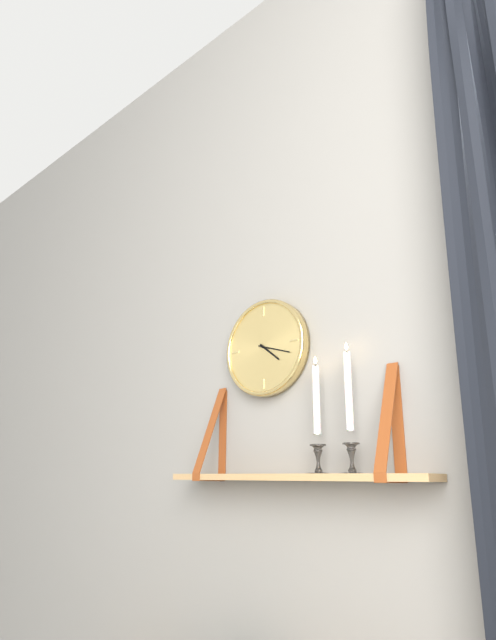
**4:18**
